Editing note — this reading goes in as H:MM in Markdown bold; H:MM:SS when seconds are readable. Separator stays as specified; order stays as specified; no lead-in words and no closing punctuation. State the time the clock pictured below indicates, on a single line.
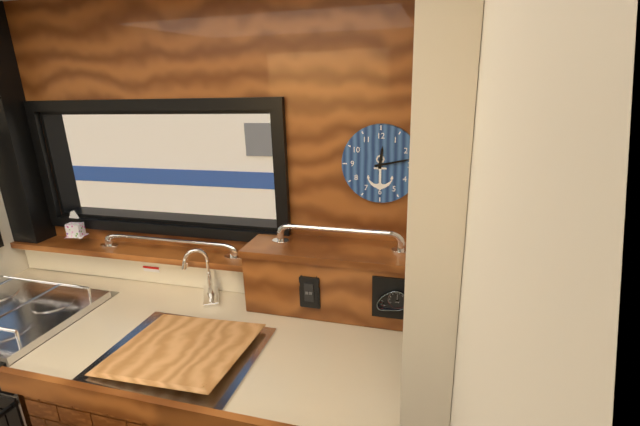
**12:13**
